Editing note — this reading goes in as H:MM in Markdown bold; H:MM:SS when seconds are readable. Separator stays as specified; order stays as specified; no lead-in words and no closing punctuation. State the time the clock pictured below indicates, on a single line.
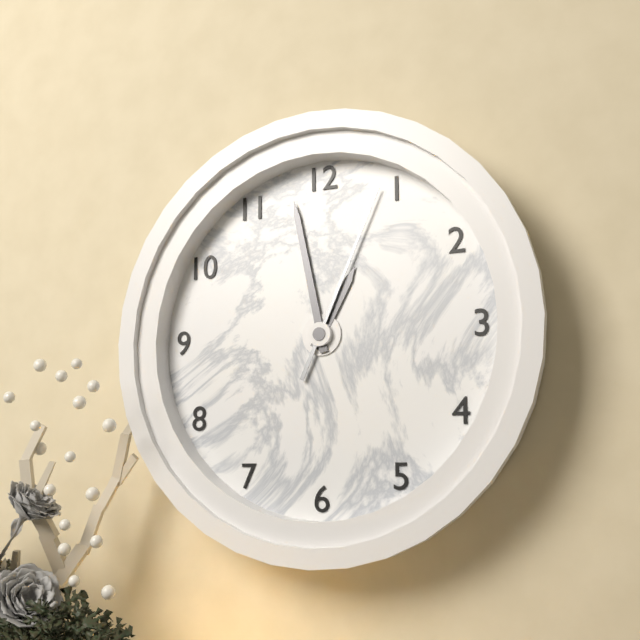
**12:58:04**
